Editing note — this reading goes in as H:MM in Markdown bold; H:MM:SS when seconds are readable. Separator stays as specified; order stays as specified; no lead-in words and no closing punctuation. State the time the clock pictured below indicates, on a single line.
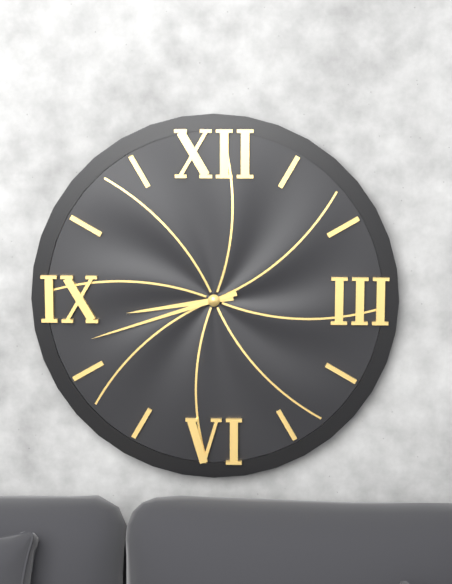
**8:42**
